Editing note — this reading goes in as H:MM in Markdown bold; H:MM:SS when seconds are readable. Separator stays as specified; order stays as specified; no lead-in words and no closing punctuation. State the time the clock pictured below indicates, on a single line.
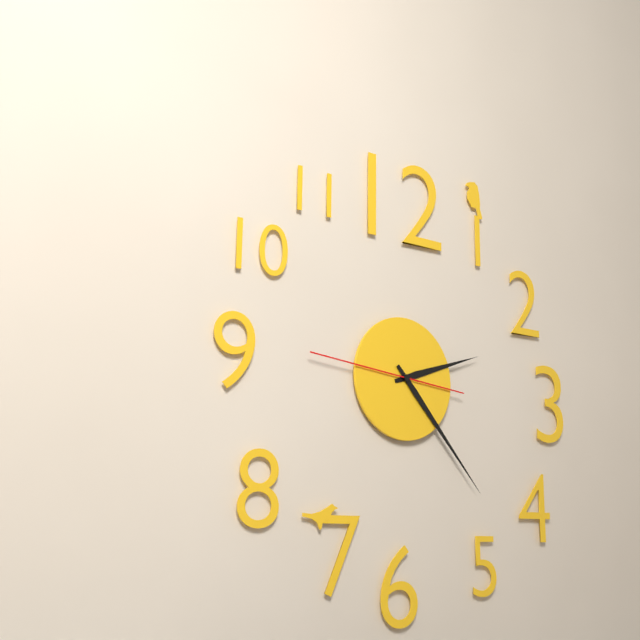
**2:23:46**
